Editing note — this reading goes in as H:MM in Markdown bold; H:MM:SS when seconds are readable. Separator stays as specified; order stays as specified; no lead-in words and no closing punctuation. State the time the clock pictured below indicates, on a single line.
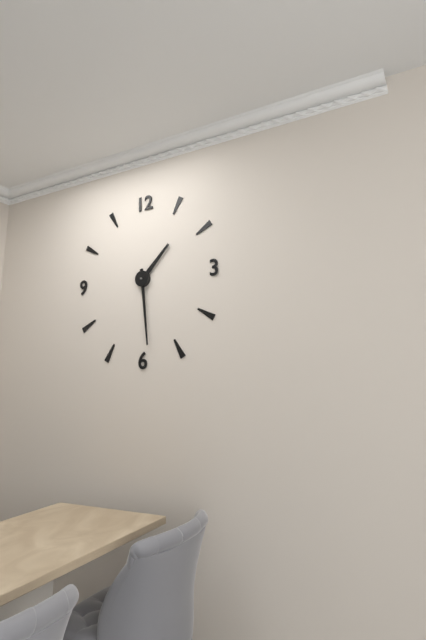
**1:29**
